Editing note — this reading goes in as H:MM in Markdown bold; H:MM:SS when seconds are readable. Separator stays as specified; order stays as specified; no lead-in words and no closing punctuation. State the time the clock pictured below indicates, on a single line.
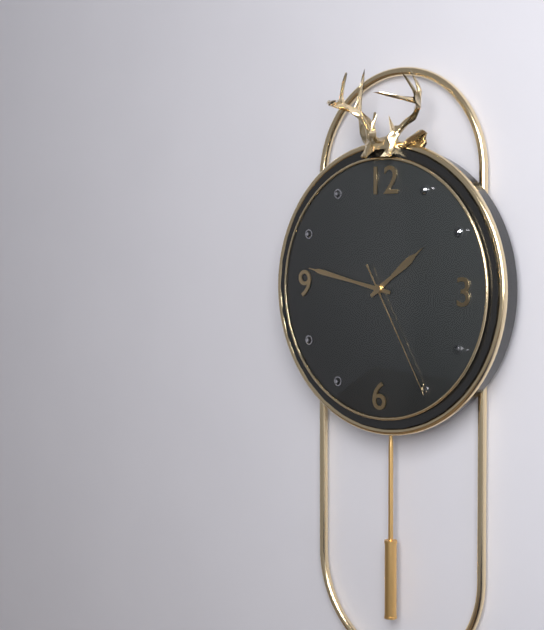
**1:47:25**
